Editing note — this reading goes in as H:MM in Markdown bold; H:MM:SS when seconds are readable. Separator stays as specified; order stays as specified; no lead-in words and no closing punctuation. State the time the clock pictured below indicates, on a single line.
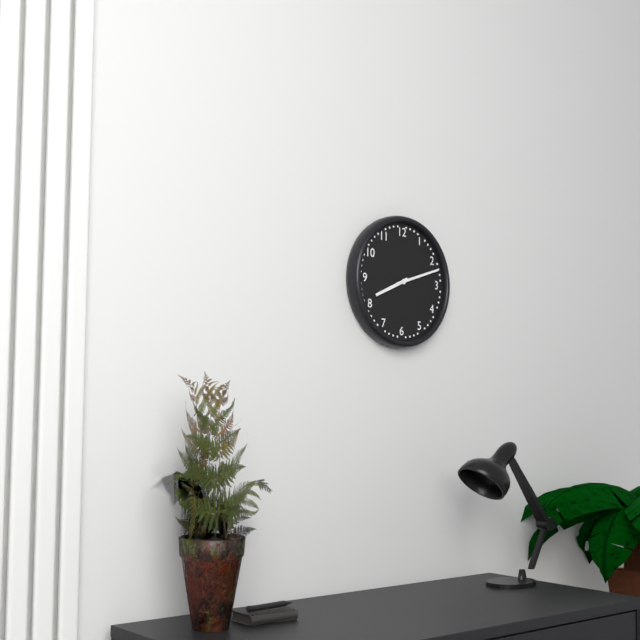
**8:12**
